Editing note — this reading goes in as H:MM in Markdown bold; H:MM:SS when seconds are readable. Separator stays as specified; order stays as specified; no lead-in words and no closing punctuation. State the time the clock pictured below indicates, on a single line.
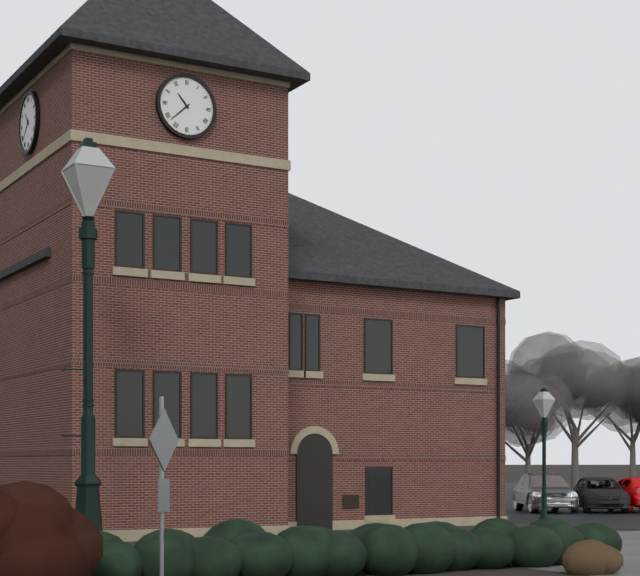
**10:38**
